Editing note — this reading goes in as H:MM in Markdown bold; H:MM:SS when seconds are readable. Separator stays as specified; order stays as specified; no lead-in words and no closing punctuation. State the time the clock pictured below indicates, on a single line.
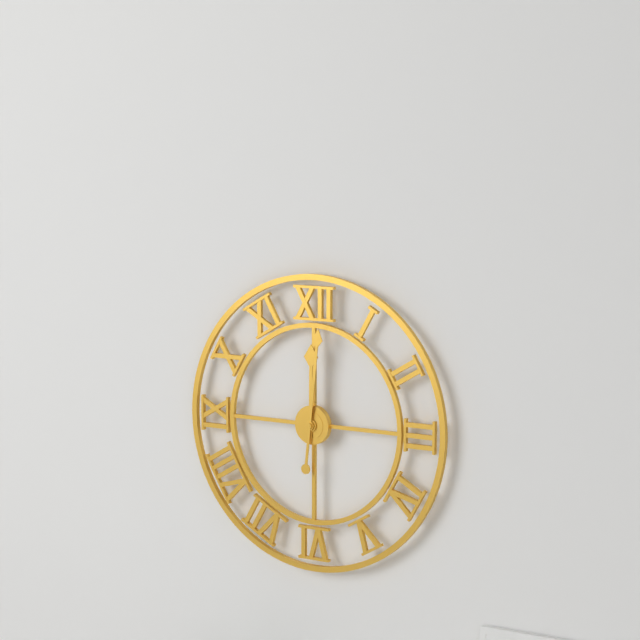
**12:01**
